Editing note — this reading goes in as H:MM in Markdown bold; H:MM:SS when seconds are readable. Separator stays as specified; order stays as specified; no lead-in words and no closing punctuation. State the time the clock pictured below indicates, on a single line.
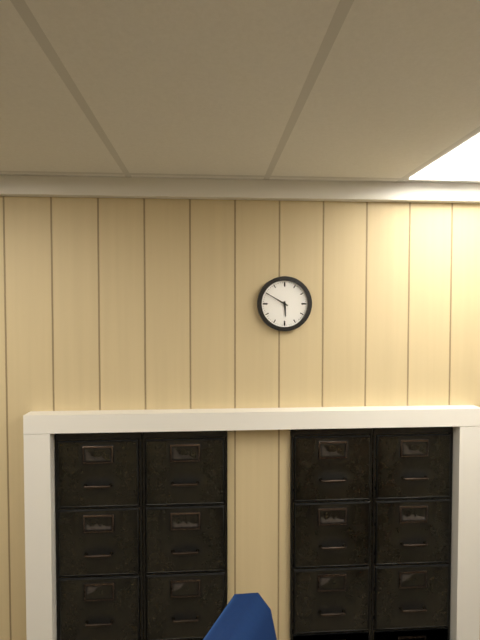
**5:50**
